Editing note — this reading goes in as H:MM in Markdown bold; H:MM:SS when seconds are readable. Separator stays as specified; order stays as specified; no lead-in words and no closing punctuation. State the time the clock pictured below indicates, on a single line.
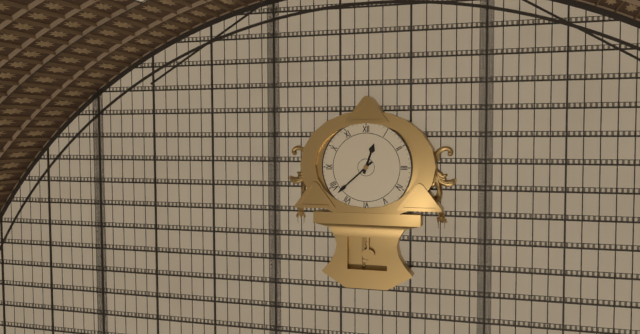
**12:38**
